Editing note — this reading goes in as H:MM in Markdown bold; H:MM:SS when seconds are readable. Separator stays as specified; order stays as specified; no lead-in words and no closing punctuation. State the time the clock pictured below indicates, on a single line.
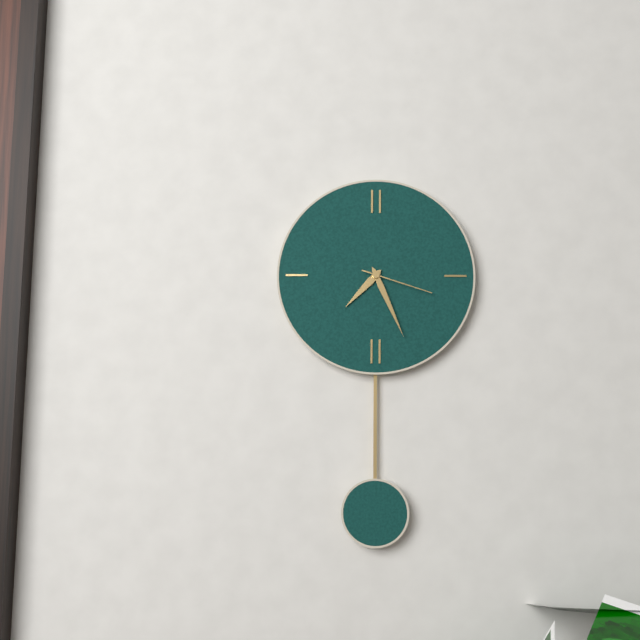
**7:26:18**
